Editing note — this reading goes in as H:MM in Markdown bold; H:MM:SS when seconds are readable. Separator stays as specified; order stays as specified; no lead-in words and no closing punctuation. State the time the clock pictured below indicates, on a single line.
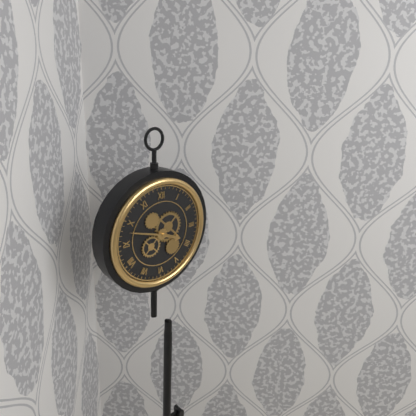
**3:48**
